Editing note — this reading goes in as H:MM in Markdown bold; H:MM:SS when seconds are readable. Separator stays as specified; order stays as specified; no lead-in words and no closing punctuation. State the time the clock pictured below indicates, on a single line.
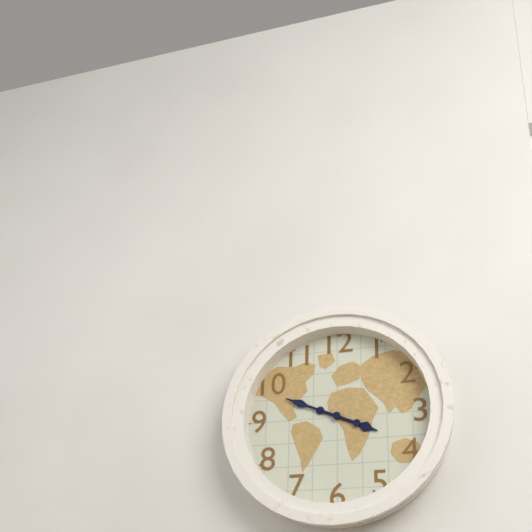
**3:49**
